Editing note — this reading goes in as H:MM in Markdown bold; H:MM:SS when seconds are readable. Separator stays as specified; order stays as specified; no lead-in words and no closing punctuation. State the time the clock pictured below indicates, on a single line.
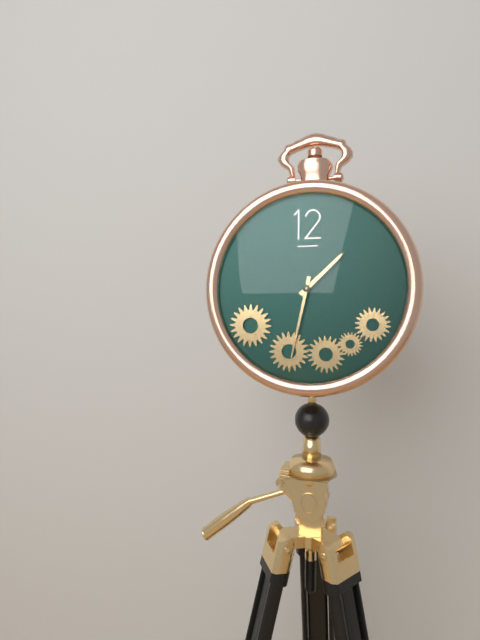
**1:32**
